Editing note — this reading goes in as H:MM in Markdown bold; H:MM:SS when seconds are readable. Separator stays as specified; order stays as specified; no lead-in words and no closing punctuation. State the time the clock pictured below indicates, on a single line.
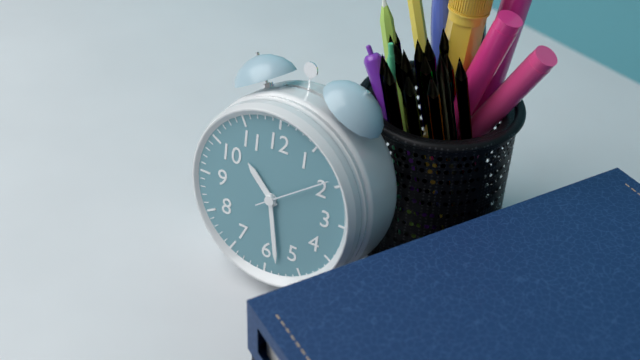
**10:28:09**
